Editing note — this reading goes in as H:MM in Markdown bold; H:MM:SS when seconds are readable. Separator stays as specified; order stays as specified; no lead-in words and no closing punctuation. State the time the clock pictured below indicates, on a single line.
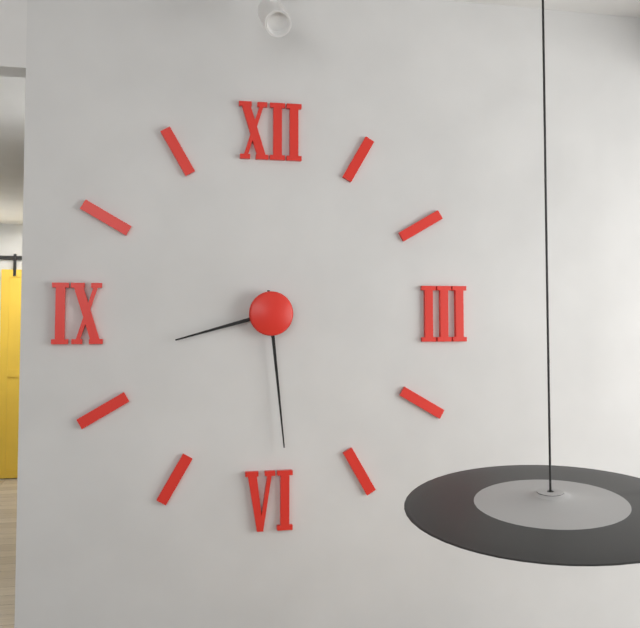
**8:29**
